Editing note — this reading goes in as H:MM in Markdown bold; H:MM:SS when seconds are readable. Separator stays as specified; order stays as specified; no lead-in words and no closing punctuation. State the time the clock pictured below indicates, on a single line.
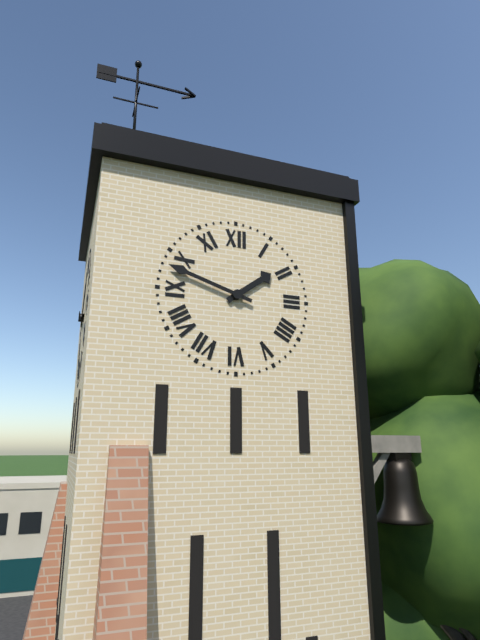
**1:48**
